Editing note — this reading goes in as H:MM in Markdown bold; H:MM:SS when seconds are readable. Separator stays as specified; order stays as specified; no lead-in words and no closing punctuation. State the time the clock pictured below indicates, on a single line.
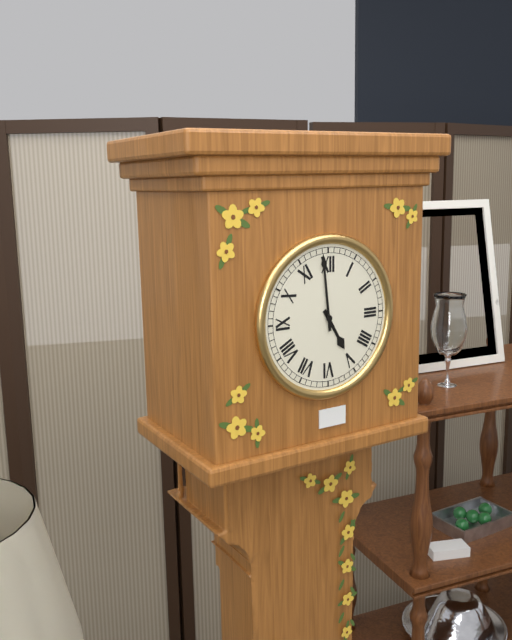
**4:59**
